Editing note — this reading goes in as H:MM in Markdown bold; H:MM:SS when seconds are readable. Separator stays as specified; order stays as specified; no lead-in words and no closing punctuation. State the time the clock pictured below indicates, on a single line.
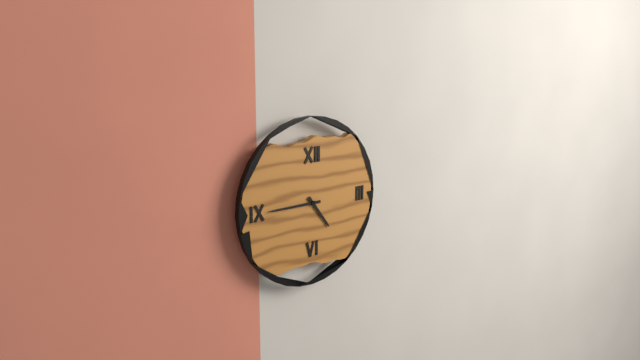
**4:45**
